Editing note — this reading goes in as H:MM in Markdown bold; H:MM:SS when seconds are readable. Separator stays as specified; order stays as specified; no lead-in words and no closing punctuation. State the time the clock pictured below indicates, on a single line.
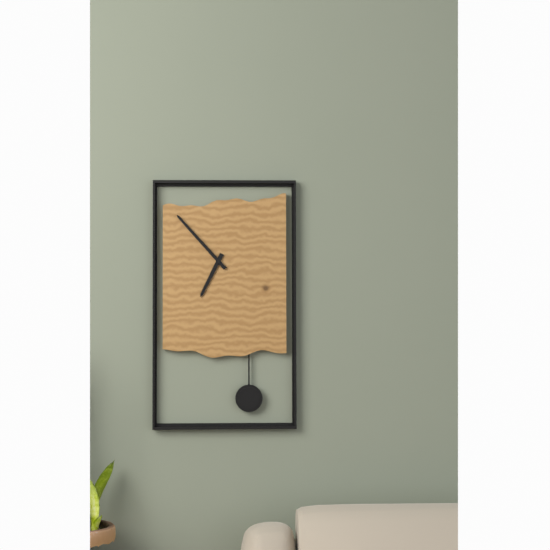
**6:53**
